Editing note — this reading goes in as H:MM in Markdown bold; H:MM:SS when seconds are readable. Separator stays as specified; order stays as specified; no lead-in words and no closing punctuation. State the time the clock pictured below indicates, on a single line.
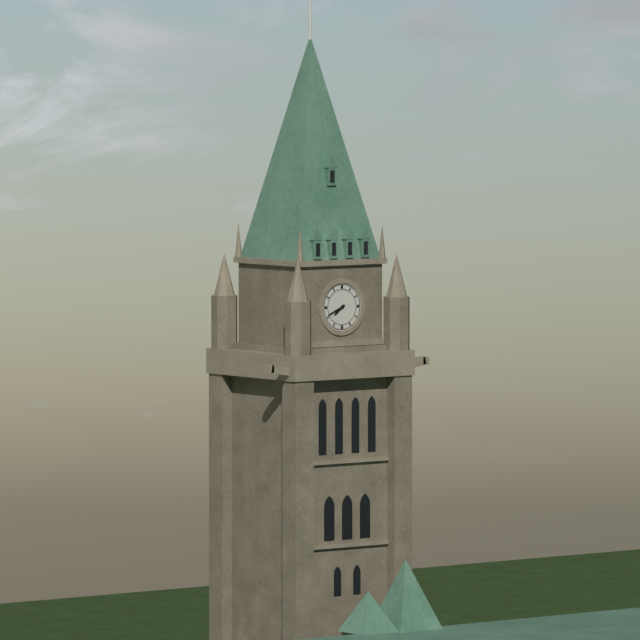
**7:41**
